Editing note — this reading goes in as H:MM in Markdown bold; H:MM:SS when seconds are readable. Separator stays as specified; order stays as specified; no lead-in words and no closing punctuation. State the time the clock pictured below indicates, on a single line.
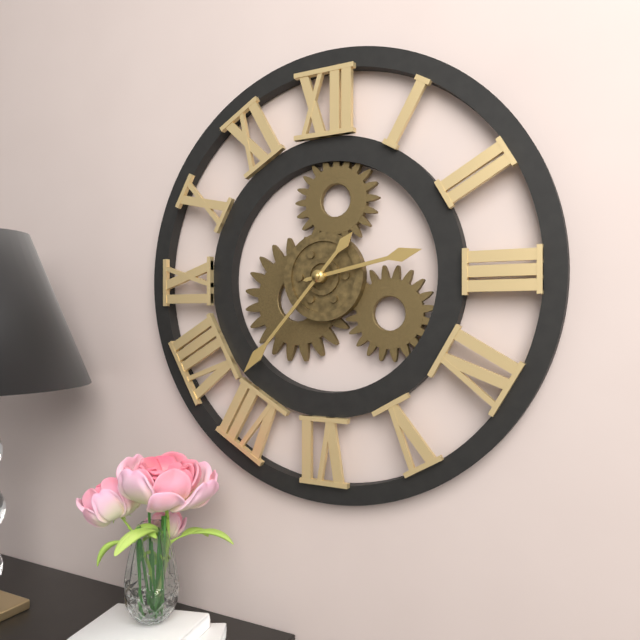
**2:37**
